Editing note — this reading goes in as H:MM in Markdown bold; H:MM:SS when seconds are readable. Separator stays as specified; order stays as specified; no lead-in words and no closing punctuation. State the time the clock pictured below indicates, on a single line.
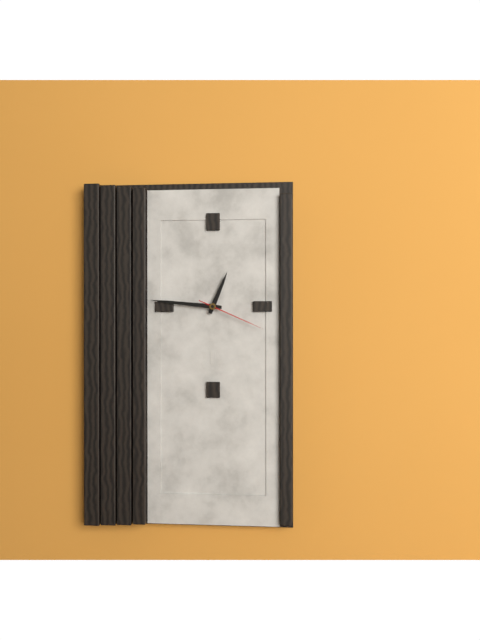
**12:46:19**
